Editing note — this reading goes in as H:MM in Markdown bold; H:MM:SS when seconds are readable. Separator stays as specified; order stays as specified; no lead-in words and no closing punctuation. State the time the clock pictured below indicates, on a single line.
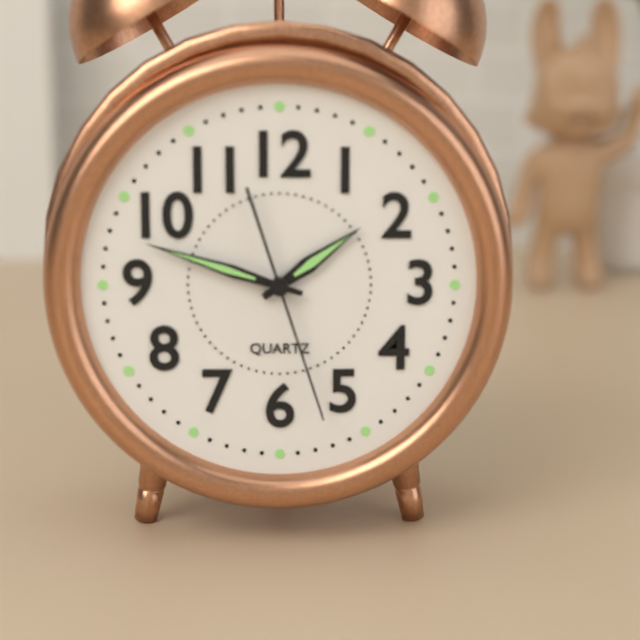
**1:48:27**
